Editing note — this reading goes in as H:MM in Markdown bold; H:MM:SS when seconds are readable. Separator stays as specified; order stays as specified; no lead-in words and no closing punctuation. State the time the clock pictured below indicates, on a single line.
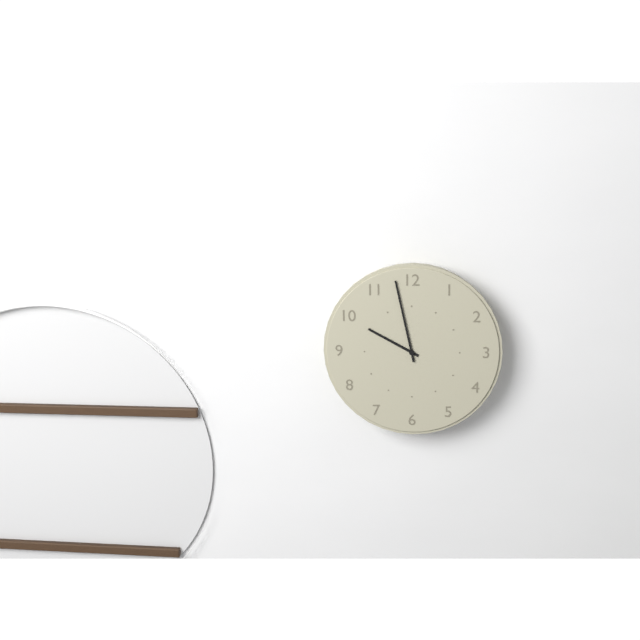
**9:58**
